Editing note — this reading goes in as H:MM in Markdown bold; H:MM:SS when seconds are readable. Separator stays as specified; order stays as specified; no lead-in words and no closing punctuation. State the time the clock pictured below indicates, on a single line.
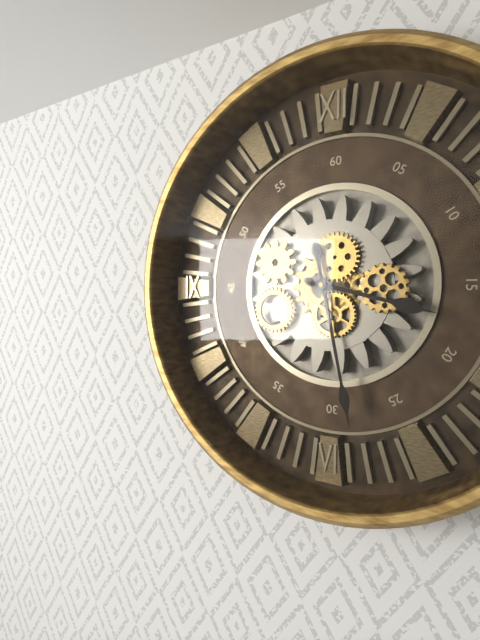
**3:28**
